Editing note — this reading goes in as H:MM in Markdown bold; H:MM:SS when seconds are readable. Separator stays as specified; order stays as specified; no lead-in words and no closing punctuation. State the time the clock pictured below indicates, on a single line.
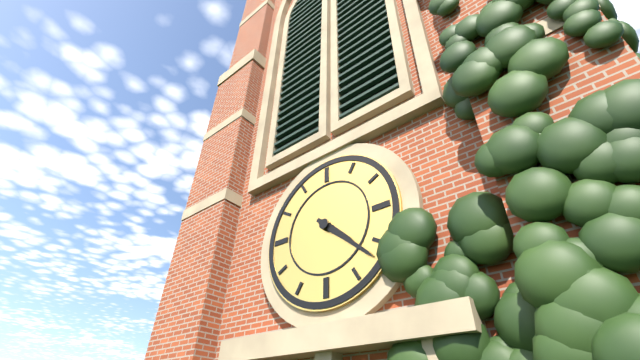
**4:22**
